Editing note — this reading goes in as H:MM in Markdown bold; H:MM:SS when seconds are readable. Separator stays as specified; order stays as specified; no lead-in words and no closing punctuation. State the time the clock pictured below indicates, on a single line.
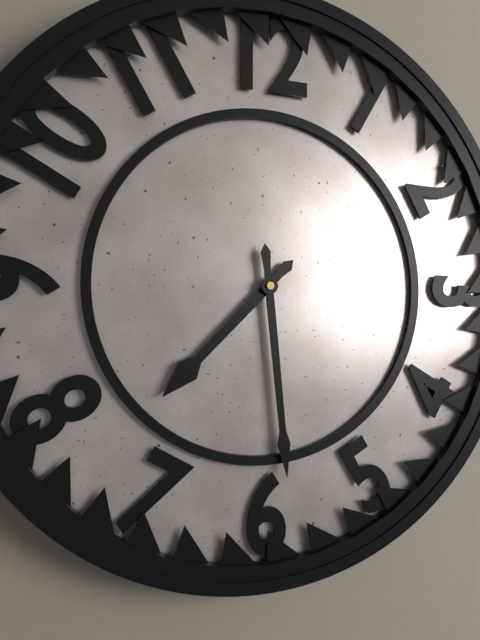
**7:29**
